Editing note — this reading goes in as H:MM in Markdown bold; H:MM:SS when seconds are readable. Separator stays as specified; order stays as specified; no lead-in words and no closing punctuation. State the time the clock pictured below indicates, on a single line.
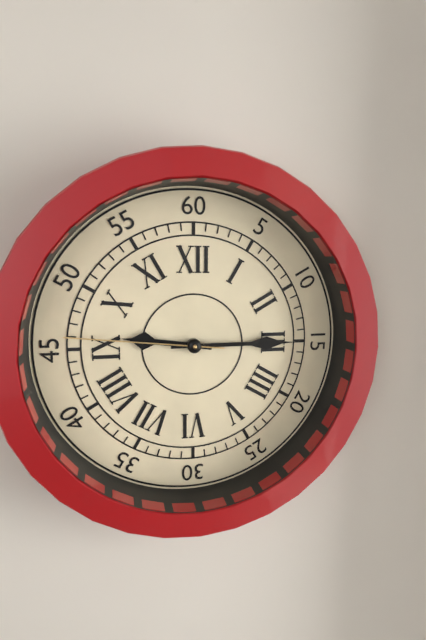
**9:15:46**
